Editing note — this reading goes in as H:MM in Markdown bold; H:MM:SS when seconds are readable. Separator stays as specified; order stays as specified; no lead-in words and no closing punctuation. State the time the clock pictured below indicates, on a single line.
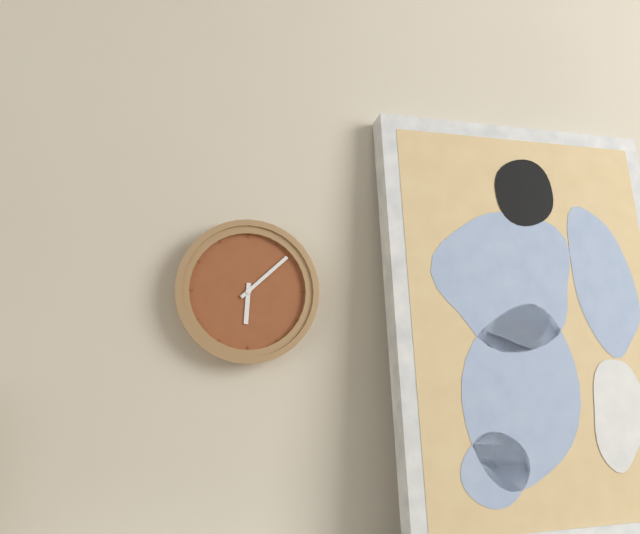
**6:08**
